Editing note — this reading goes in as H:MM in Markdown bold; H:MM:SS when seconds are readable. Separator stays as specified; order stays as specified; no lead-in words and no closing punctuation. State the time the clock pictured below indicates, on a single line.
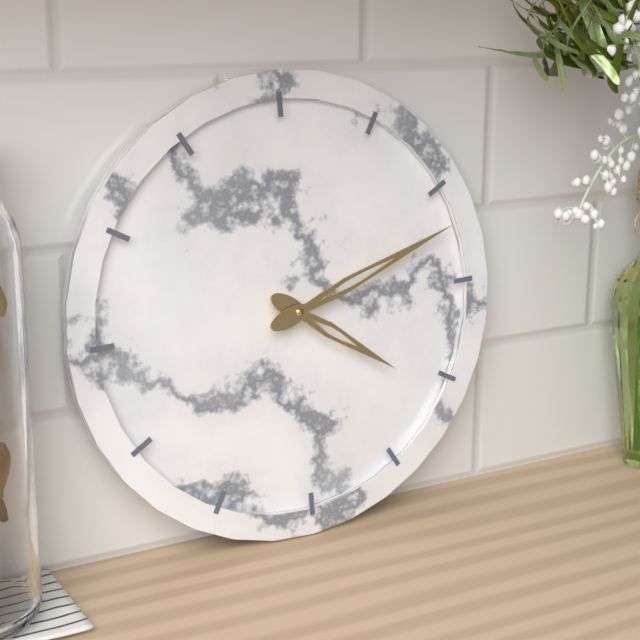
**4:12**
